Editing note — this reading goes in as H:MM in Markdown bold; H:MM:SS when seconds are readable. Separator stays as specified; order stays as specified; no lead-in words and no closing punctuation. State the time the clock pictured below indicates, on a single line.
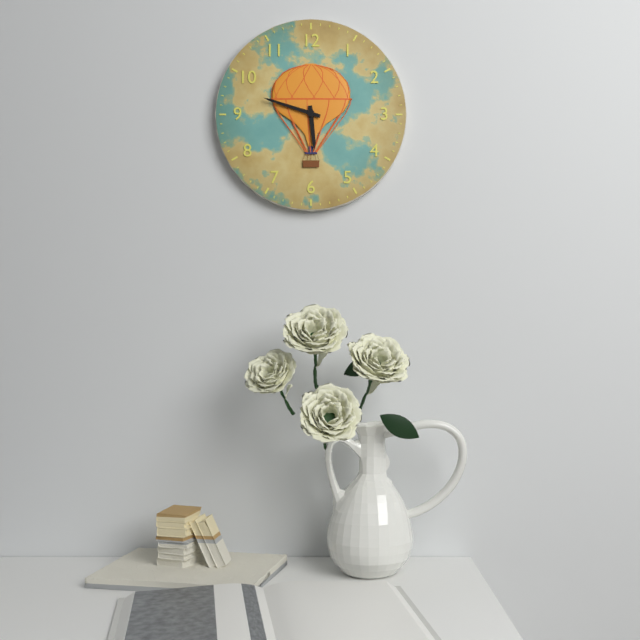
**5:48**
